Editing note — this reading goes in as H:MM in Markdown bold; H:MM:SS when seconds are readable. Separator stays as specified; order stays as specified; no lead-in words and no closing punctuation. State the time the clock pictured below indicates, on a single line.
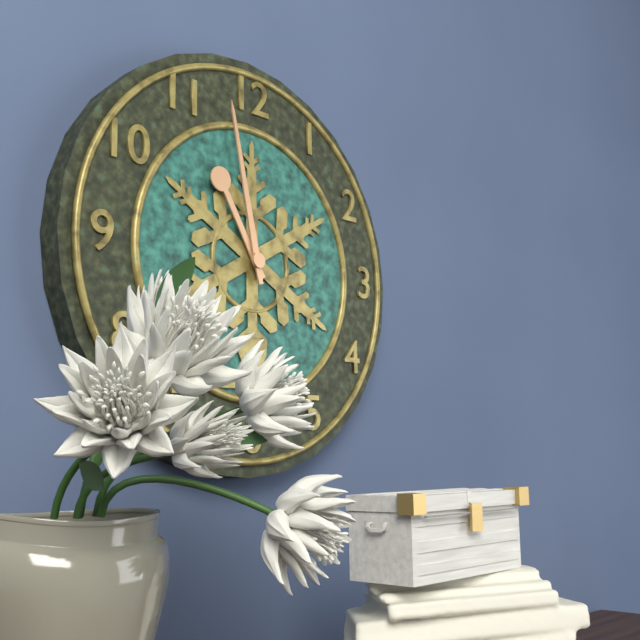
**10:58**
